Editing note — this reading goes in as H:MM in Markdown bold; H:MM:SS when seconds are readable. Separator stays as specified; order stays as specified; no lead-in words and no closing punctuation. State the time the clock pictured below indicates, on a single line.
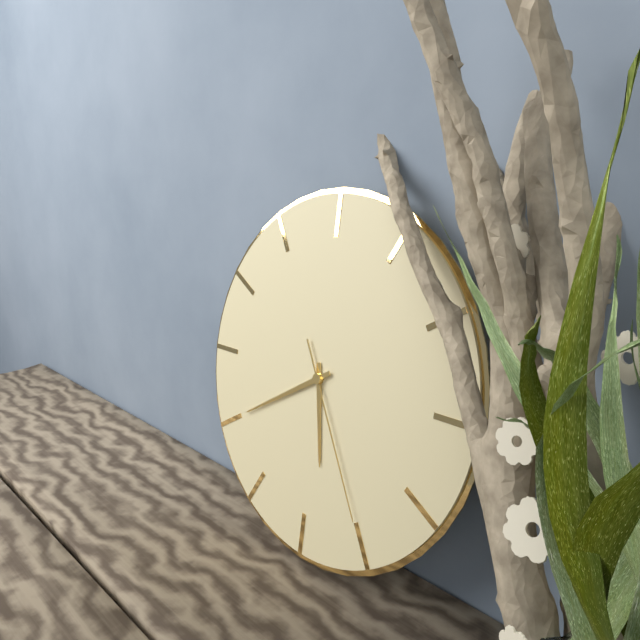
**5:40:25**
